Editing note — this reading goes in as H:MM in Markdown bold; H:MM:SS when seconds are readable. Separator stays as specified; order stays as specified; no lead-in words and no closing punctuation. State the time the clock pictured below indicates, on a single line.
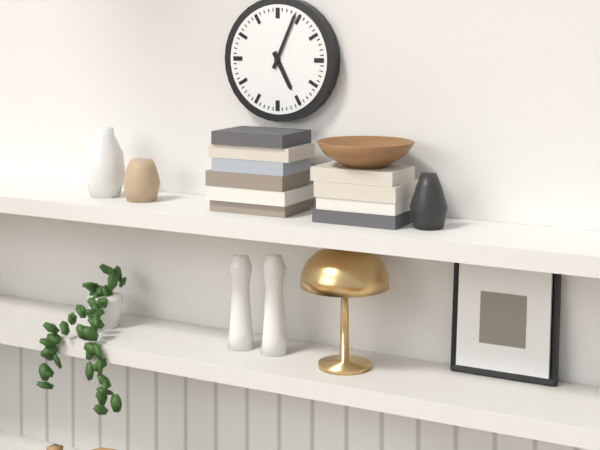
**5:04**
